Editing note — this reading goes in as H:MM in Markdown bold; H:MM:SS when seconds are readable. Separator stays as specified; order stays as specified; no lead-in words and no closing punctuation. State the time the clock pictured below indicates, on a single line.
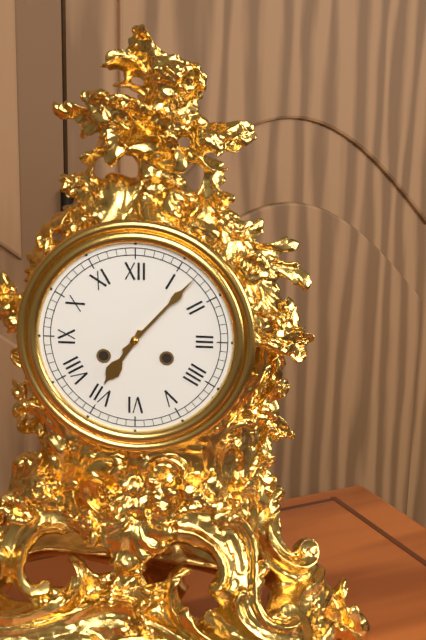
**7:07**
